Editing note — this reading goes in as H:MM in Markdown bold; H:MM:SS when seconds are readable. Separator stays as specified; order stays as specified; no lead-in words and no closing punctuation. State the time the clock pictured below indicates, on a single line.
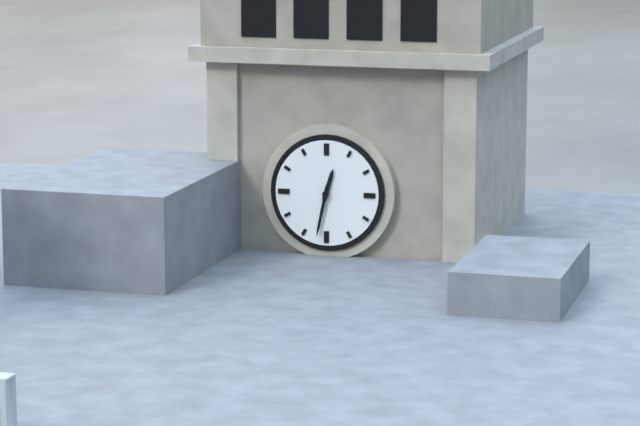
**12:32**
